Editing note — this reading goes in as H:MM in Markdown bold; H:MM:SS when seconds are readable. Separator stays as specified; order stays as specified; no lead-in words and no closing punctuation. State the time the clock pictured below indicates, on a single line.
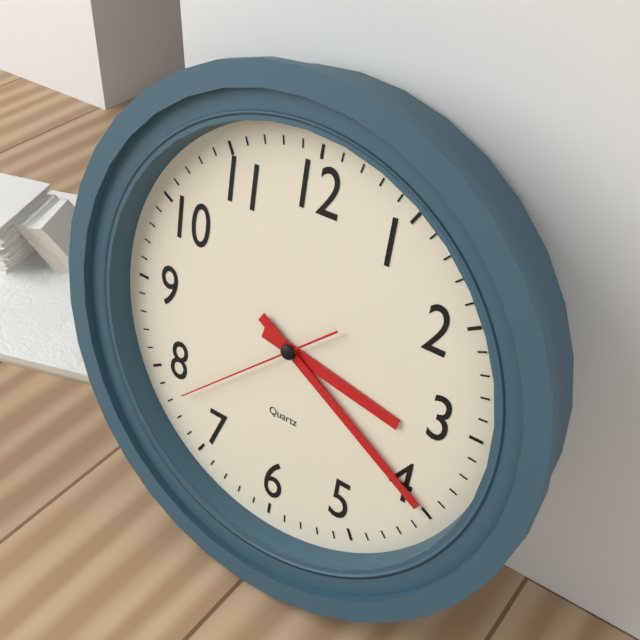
**3:20:38**
